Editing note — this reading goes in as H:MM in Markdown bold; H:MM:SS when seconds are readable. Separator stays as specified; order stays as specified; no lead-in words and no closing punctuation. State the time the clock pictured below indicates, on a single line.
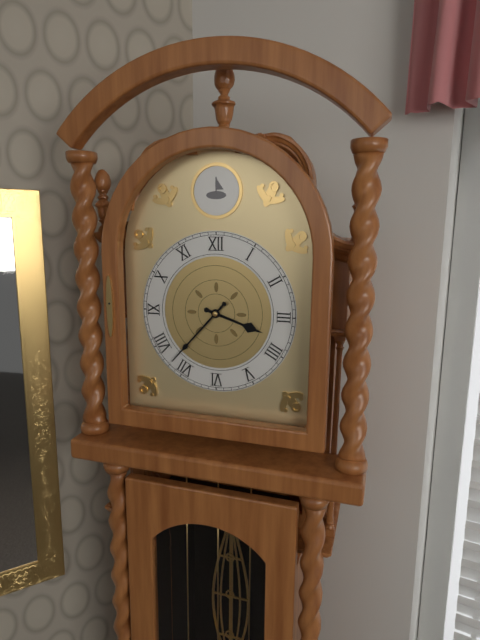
**3:37**
